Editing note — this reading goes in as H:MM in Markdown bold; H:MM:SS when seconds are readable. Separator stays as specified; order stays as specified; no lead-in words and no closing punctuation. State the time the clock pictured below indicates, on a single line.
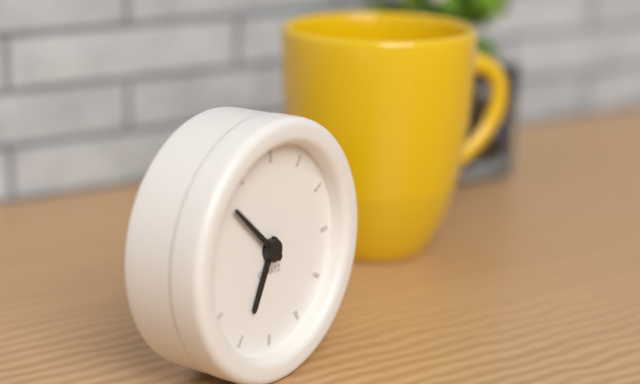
**6:52**
